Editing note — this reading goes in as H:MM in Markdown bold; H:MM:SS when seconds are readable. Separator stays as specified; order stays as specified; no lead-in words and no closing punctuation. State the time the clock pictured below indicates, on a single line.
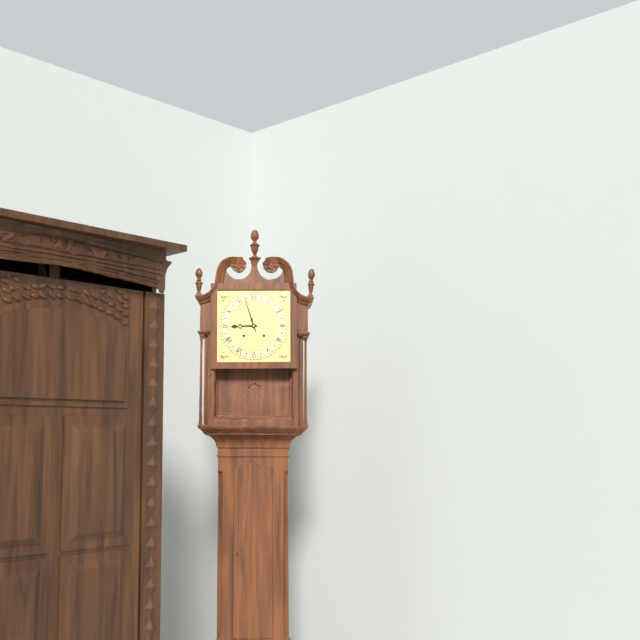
**8:57**
